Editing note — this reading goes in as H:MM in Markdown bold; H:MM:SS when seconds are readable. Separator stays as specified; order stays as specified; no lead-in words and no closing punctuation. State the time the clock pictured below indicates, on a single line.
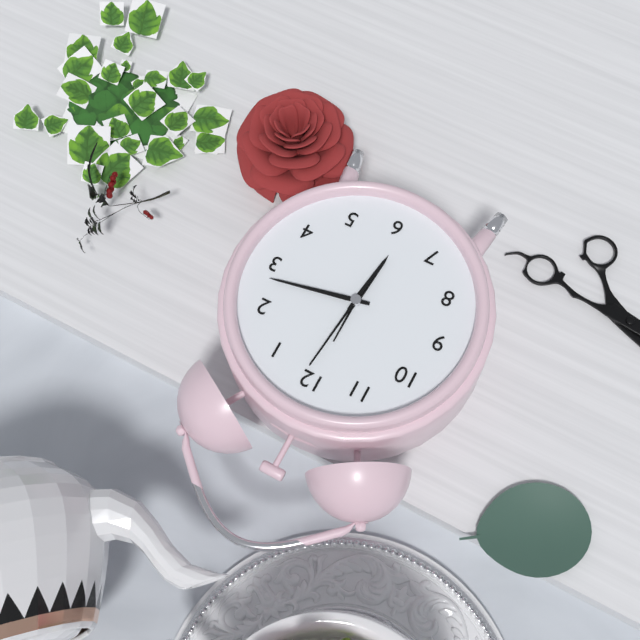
**6:13:01**
